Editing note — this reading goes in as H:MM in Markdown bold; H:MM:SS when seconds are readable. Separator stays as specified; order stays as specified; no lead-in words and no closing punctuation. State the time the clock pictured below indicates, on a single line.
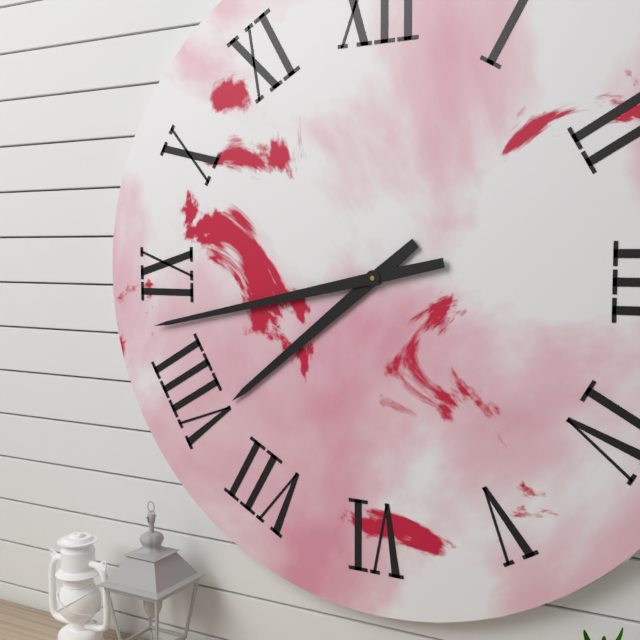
**7:43**
